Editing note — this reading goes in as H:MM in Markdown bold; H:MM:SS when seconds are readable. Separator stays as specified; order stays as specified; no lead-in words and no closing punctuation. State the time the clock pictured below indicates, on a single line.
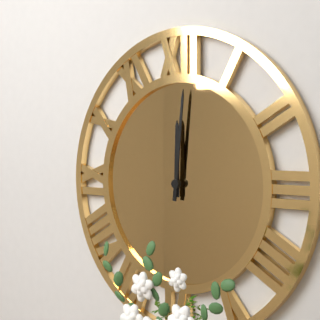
**12:01**
